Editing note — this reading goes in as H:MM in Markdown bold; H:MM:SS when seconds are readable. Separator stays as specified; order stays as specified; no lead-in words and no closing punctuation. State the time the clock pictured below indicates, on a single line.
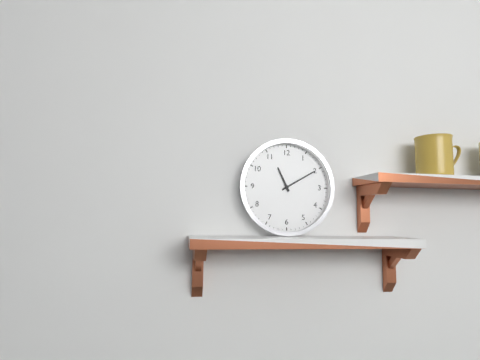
**11:10**
